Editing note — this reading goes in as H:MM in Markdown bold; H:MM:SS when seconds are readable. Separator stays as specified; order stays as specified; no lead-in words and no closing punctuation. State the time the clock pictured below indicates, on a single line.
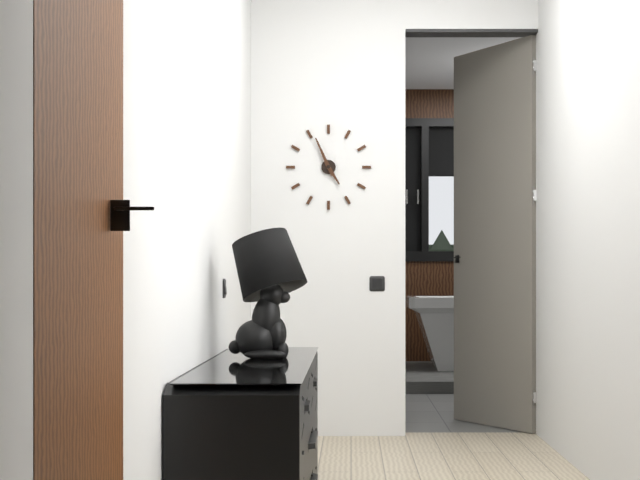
**4:56**
